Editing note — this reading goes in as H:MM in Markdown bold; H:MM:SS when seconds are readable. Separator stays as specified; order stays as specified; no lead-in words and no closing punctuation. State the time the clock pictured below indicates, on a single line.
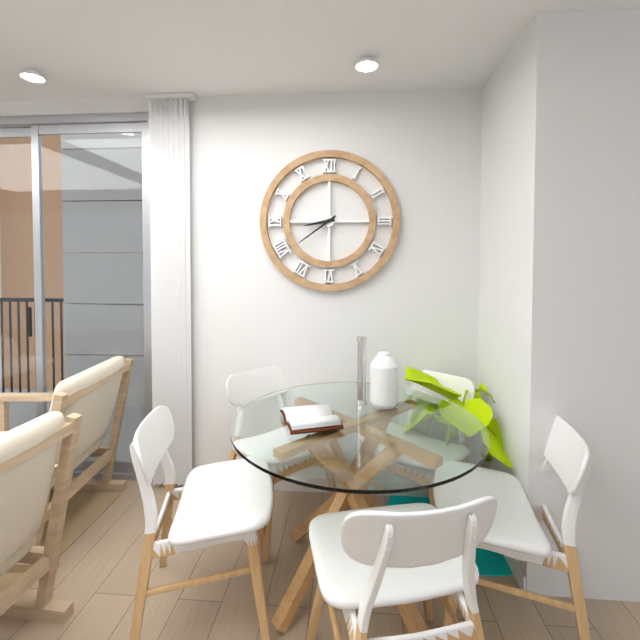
**8:39**
